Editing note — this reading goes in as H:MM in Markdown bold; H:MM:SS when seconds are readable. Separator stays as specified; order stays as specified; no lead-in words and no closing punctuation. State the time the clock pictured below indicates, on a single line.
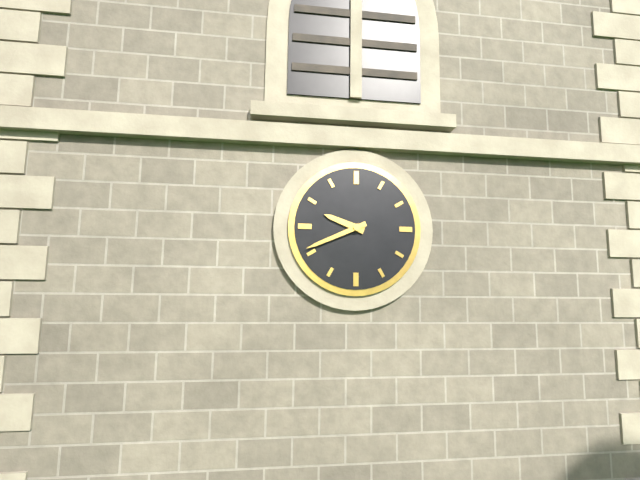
**9:41**
